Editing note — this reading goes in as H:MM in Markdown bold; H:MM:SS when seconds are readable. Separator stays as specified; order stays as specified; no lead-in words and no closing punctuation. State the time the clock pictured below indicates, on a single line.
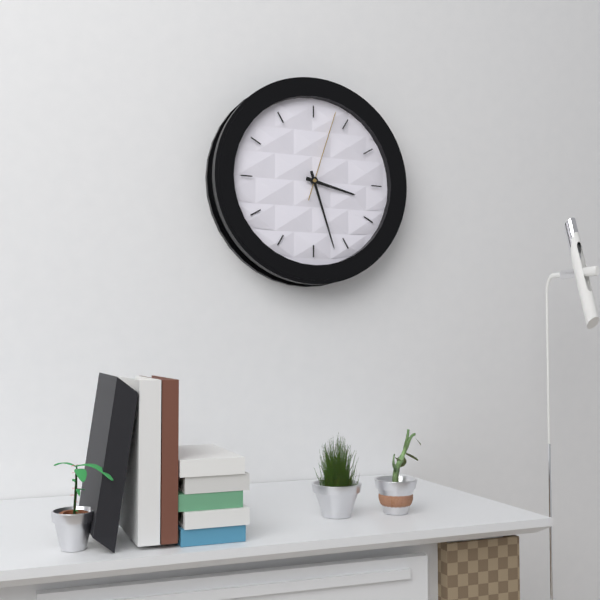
**3:27:03**
